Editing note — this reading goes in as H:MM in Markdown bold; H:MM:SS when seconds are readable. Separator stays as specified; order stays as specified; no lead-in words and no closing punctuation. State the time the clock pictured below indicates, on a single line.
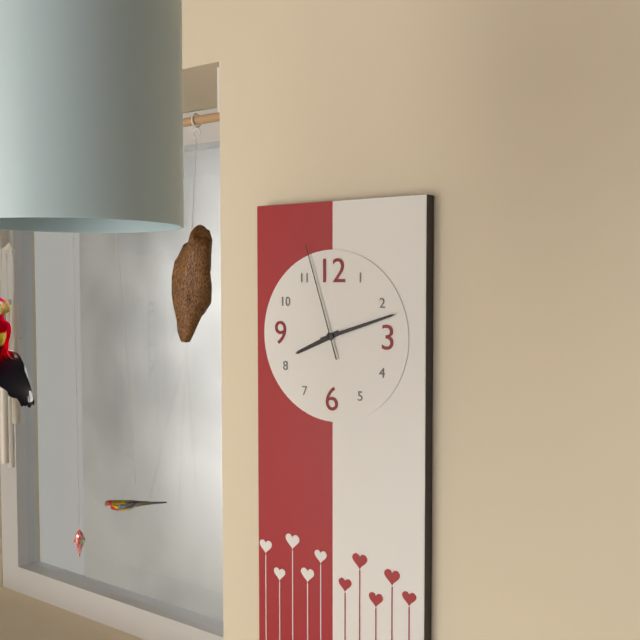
**8:12:57**
